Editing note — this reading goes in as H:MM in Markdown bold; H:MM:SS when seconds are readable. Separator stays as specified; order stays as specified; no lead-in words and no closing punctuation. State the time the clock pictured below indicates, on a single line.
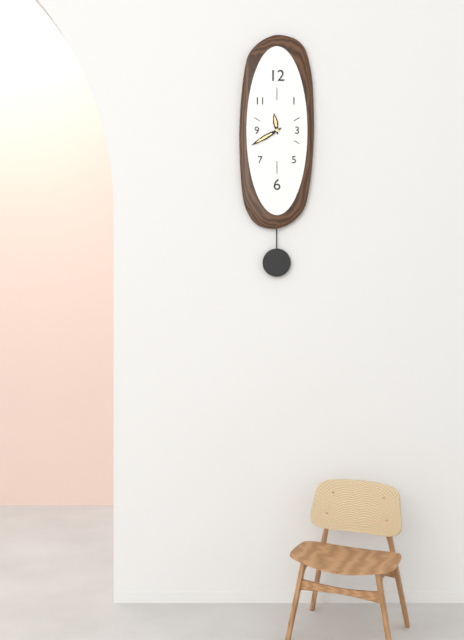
**11:40**
